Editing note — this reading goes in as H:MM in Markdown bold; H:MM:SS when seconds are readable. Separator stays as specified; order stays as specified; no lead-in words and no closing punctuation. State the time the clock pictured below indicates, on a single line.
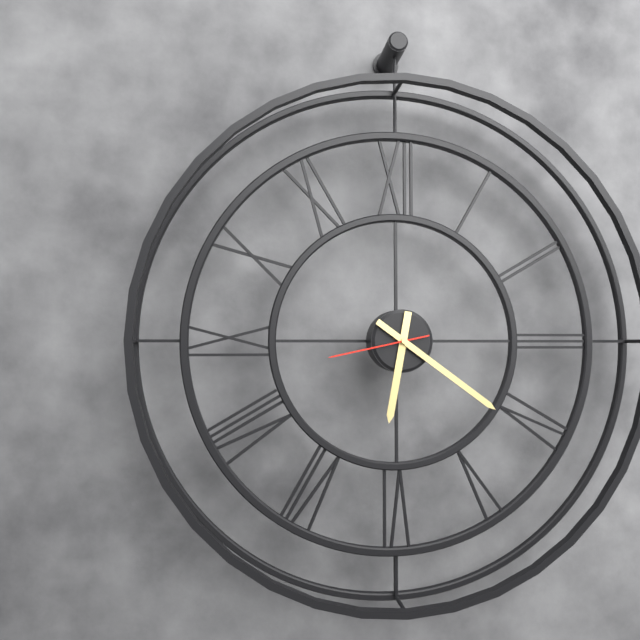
**6:21:43**
